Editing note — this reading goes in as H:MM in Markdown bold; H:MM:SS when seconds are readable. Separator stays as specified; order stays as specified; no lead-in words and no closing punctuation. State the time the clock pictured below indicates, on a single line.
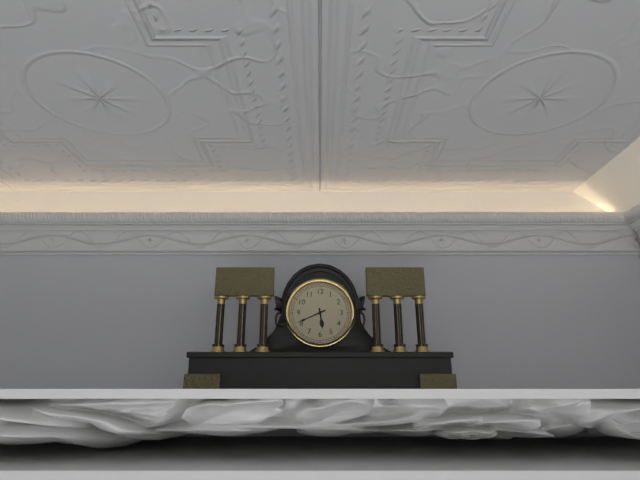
**5:41**
